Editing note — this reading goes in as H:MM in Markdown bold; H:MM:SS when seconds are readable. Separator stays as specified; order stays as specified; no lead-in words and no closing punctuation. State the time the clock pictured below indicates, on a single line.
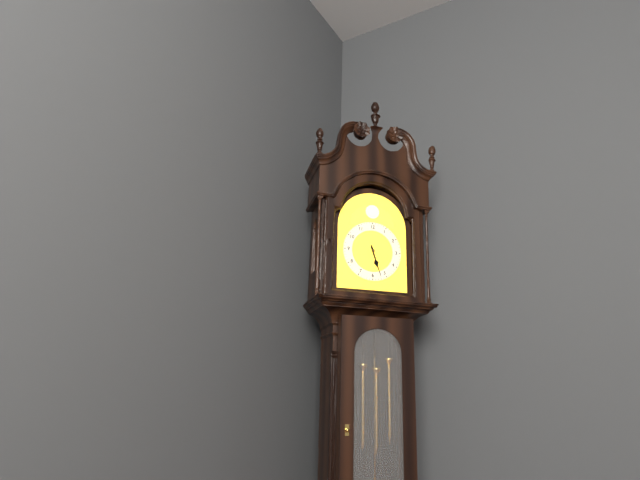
**5:27**
